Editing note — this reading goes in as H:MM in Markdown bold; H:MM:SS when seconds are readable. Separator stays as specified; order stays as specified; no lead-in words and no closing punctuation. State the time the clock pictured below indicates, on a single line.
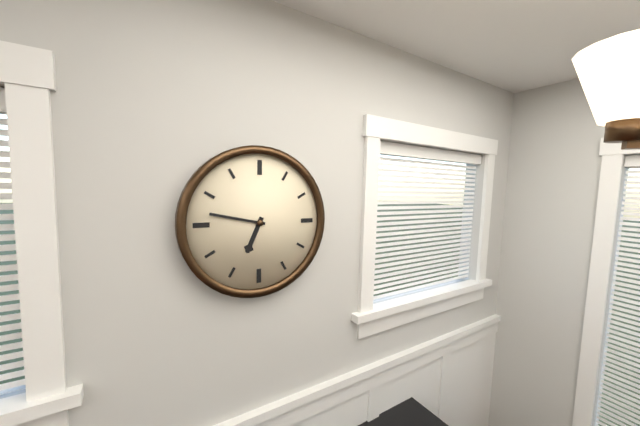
**6:47**
